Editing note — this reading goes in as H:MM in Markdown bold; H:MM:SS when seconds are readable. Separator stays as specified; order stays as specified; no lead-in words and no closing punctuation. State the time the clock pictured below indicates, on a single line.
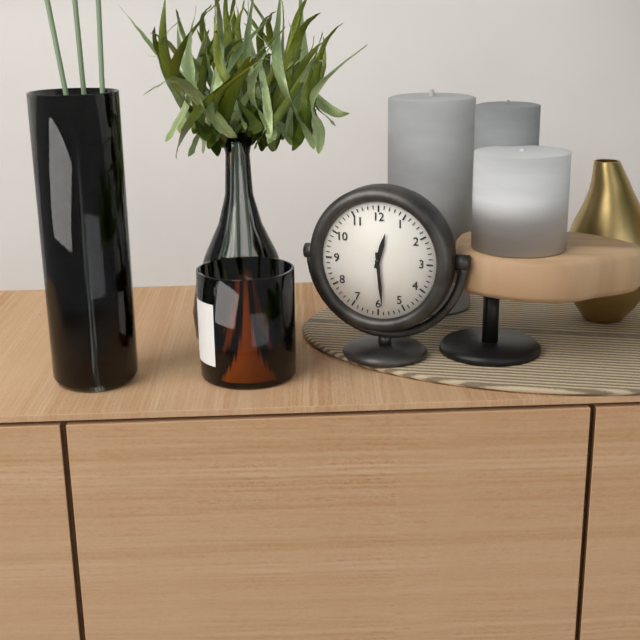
**12:29**
